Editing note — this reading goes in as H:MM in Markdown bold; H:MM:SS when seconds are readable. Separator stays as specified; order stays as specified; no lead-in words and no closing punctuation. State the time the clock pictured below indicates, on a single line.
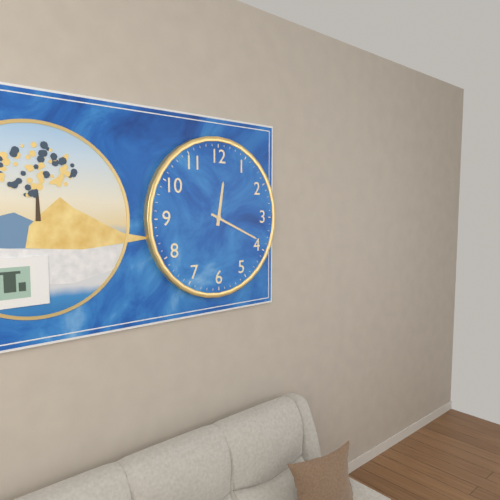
**12:19**
